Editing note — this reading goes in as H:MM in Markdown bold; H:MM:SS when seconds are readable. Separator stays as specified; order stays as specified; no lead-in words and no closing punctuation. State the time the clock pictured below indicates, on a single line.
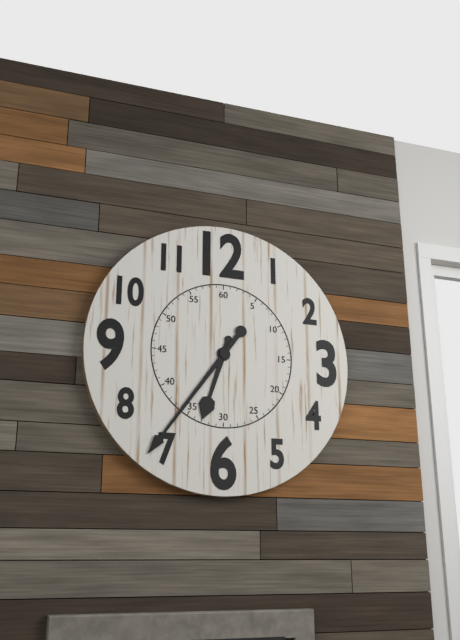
**6:36**
